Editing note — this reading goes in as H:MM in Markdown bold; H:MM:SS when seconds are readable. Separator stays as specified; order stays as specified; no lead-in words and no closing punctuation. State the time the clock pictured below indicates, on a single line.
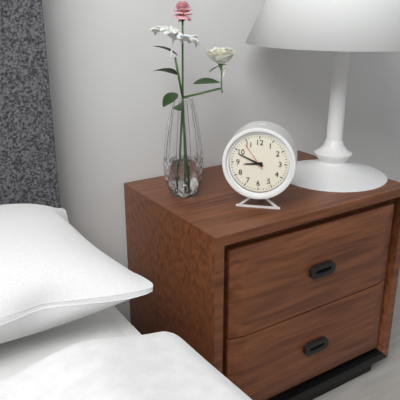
**8:49**
